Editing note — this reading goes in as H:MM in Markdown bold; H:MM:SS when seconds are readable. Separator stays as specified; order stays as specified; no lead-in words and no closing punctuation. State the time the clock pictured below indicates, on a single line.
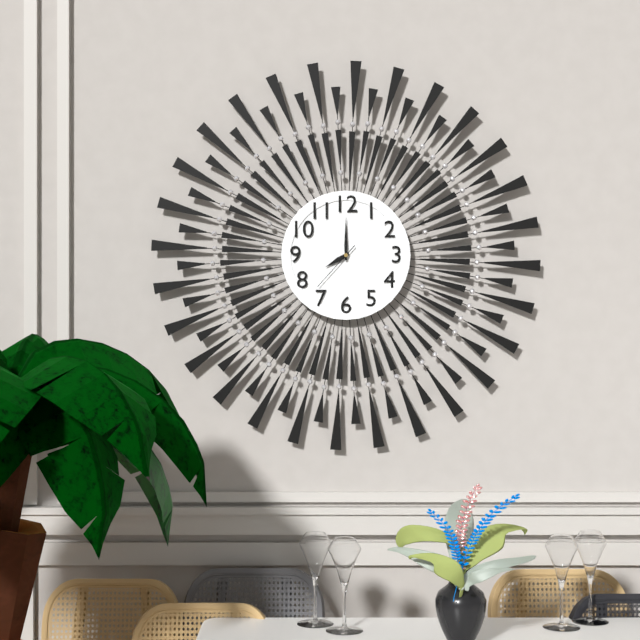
**8:00:37**
